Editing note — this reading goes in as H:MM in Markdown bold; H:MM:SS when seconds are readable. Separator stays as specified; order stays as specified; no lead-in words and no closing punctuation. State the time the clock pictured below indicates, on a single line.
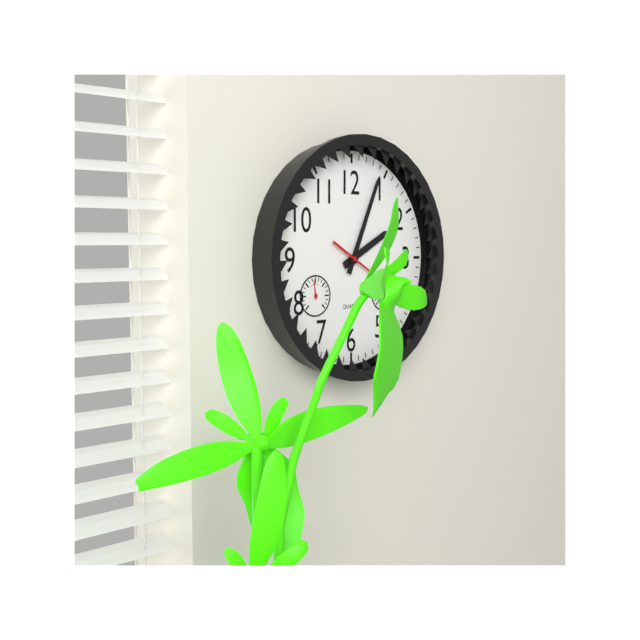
**2:04**
